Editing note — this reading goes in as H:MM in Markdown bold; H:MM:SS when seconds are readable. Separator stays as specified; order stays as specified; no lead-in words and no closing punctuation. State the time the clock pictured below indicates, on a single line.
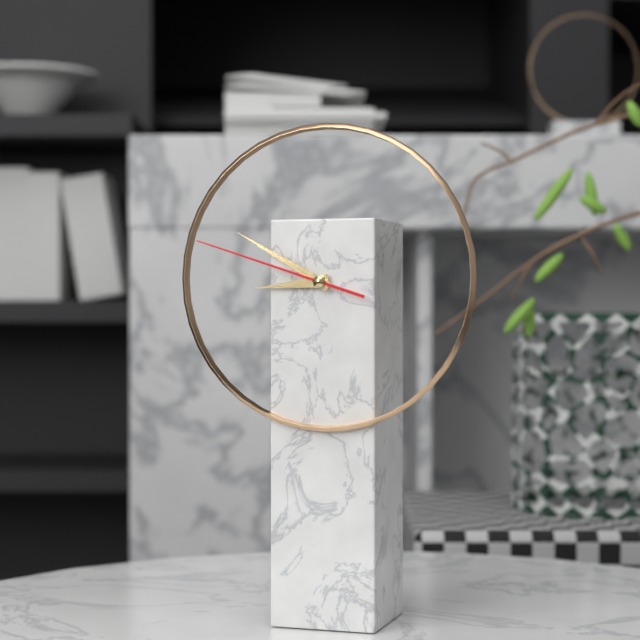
**8:50:48**
